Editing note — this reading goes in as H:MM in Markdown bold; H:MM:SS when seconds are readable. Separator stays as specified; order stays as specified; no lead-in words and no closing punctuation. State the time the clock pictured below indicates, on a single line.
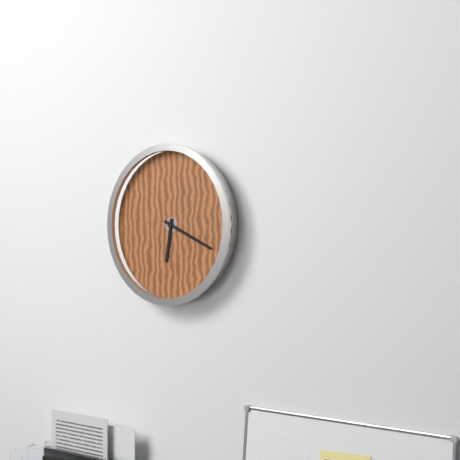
**6:19**
